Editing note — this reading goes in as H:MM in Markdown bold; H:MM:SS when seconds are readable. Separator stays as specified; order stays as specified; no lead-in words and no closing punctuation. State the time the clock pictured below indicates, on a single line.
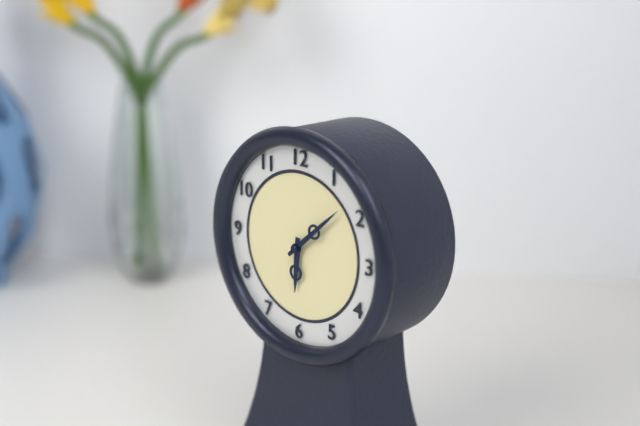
**6:08**
